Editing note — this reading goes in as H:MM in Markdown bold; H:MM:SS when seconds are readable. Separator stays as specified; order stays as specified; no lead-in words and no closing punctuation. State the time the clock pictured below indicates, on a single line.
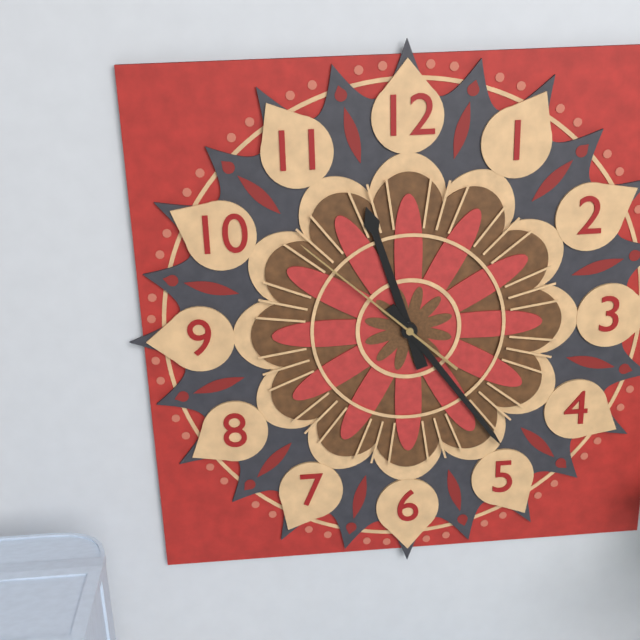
**11:24:52**
